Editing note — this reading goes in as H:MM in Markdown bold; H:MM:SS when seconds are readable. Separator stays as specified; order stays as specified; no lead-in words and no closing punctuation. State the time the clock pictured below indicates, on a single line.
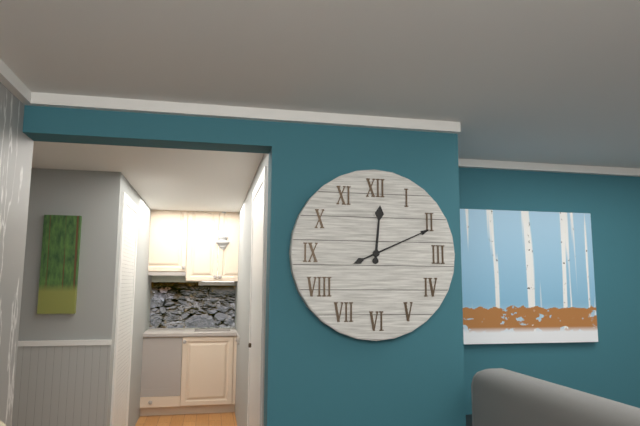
**12:11**
